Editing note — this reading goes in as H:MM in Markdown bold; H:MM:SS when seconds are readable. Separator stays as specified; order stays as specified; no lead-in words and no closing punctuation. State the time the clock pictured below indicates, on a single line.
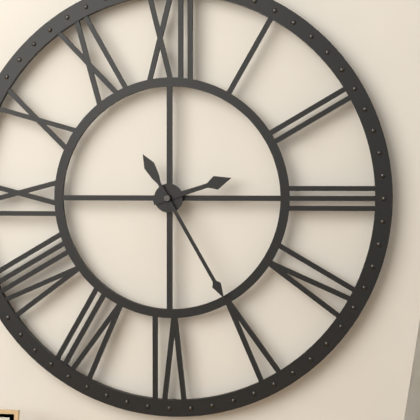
**2:25**
